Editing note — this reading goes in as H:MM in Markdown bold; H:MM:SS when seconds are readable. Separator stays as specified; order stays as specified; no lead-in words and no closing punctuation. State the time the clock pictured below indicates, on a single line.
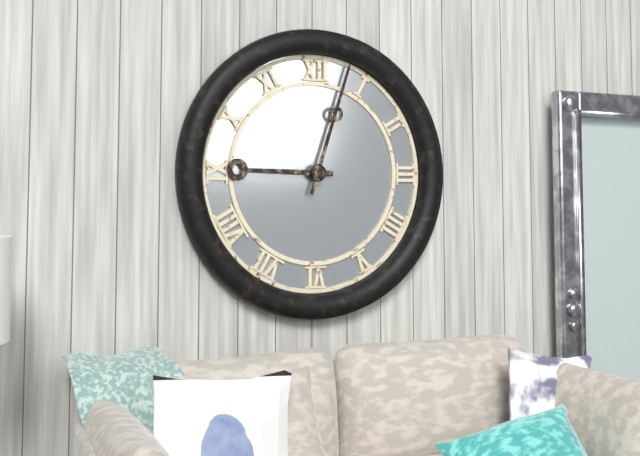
**9:03**
